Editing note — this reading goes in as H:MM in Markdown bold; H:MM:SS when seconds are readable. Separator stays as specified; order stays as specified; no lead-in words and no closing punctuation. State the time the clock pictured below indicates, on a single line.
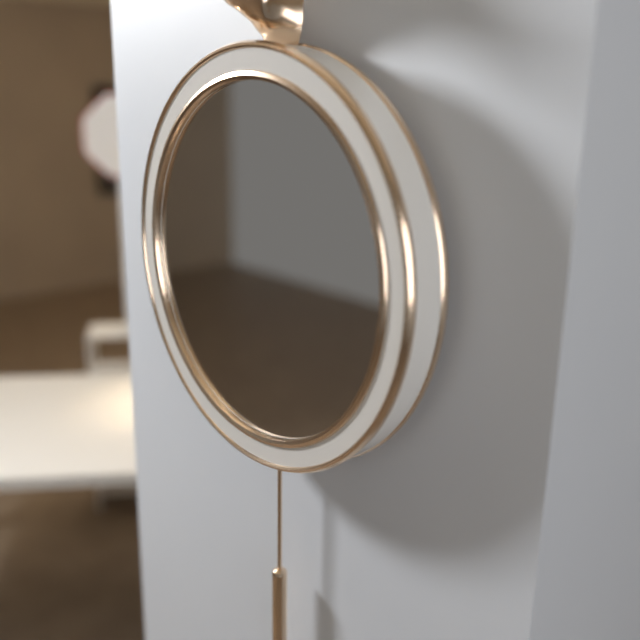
**8:03**
